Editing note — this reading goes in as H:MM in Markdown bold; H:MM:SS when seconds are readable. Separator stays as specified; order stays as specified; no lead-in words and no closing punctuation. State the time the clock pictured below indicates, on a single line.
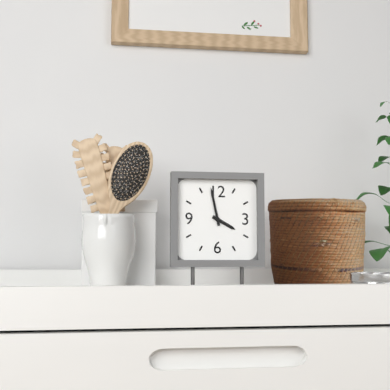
**3:58**
